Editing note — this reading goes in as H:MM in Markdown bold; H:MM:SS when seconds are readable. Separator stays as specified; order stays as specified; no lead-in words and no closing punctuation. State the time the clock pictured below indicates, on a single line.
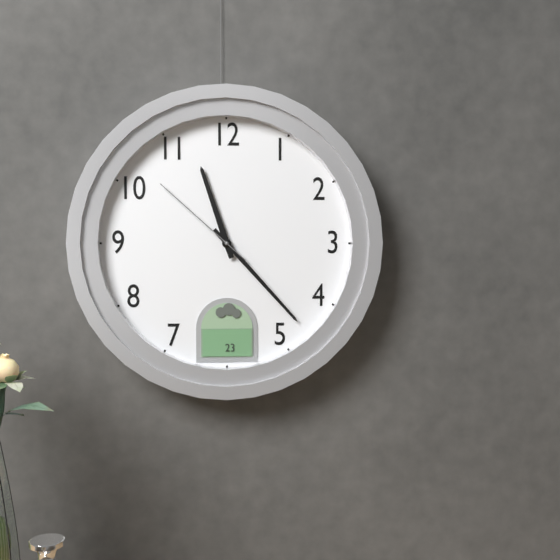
**11:23:52**
